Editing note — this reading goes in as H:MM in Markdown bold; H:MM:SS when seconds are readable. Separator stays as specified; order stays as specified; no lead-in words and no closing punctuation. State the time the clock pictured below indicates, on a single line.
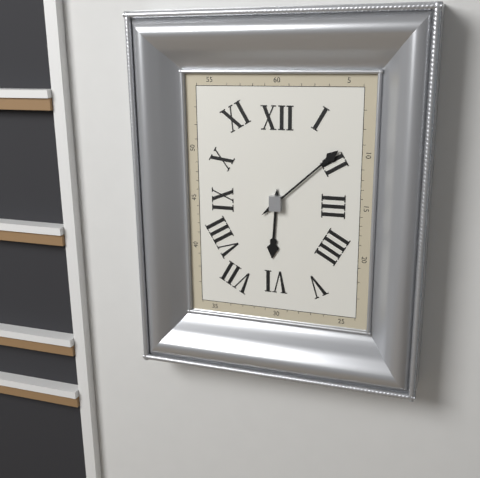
**6:08**
